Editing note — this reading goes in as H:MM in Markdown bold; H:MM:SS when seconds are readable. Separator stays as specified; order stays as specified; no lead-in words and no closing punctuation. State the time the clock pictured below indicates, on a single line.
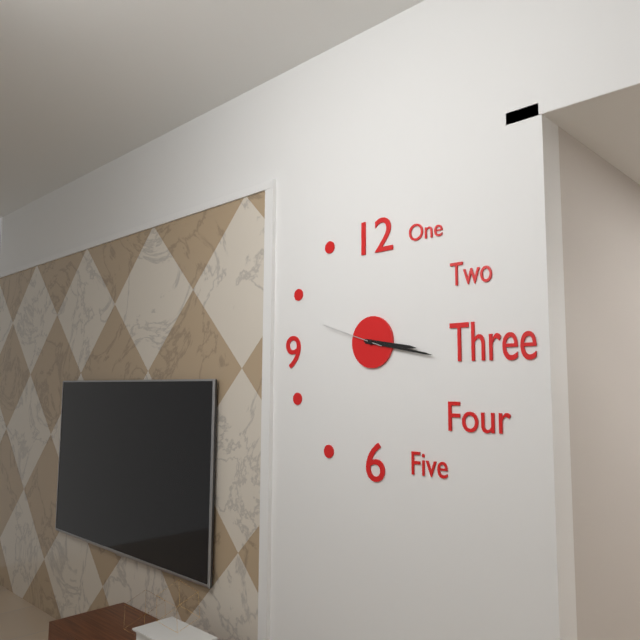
**3:17:48**
